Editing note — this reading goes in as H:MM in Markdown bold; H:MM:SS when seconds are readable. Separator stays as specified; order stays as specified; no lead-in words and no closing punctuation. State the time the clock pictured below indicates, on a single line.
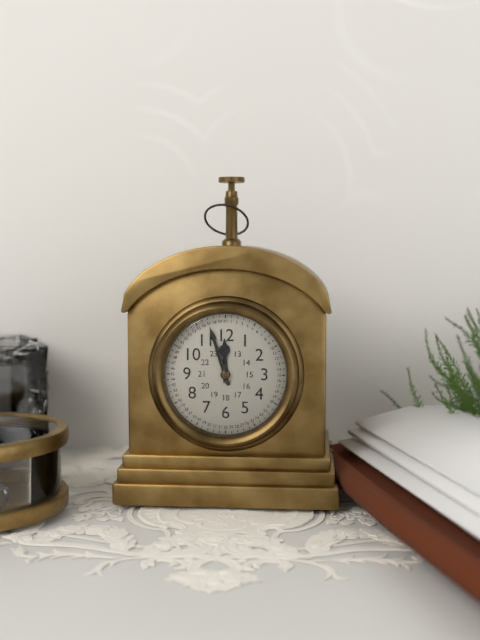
**11:57**
